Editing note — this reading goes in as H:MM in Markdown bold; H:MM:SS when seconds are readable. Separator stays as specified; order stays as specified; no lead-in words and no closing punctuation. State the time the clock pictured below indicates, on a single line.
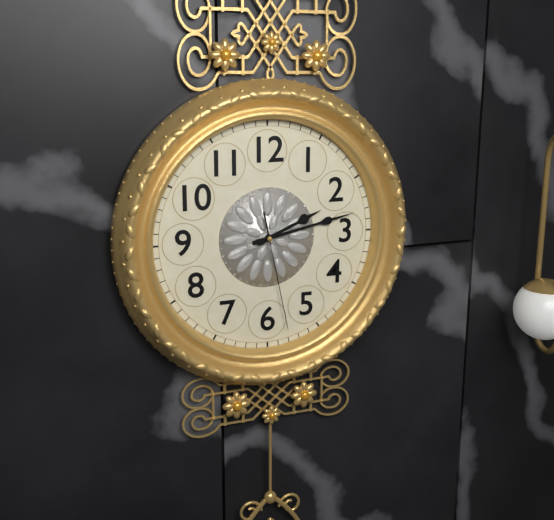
**2:13:28**
